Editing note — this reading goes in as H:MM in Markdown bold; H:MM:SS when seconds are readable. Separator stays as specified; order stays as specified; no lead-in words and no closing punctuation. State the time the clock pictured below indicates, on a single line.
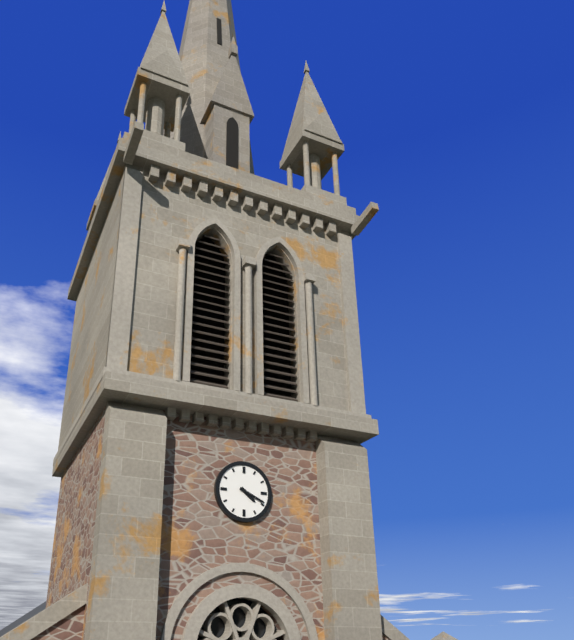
**4:19**
